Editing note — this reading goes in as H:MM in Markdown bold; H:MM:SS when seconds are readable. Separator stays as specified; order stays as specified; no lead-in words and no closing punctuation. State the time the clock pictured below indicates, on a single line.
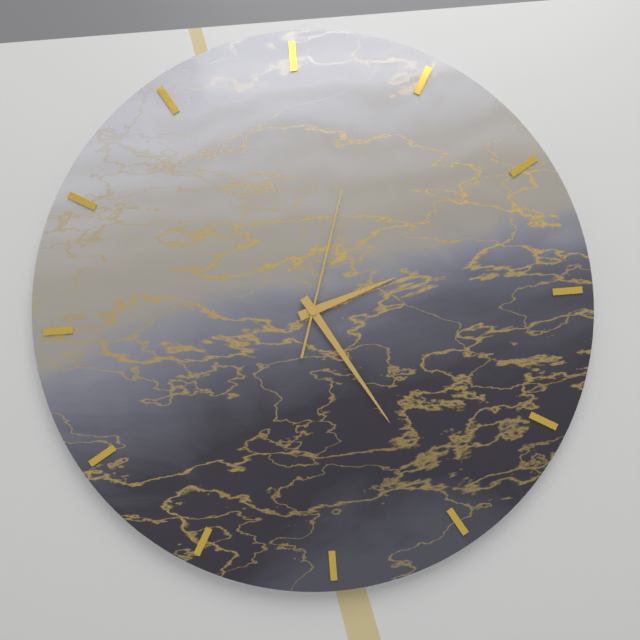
**2:25:03**
